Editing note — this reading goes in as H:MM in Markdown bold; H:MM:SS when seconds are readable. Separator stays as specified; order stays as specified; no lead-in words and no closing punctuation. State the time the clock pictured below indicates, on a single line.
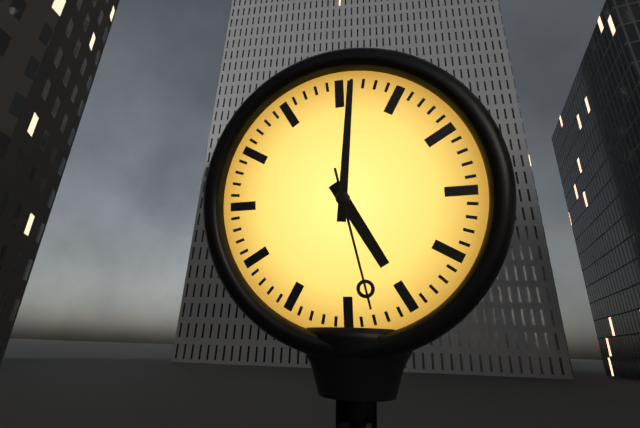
**5:01:28**
